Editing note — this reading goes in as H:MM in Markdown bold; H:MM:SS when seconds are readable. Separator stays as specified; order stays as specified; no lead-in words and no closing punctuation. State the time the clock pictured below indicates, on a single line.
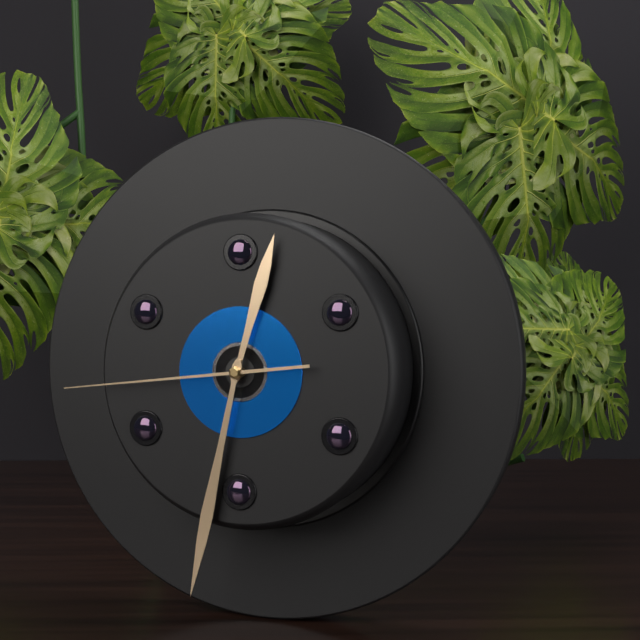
**12:32:44**
